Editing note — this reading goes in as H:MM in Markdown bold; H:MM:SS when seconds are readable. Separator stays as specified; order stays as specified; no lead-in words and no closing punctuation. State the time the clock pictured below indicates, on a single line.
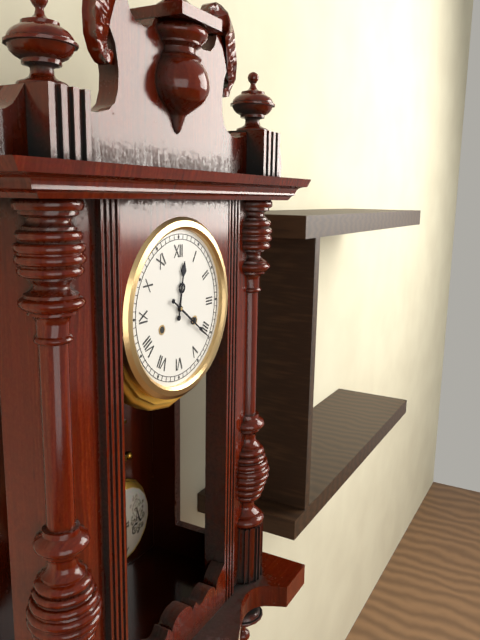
**12:21**
